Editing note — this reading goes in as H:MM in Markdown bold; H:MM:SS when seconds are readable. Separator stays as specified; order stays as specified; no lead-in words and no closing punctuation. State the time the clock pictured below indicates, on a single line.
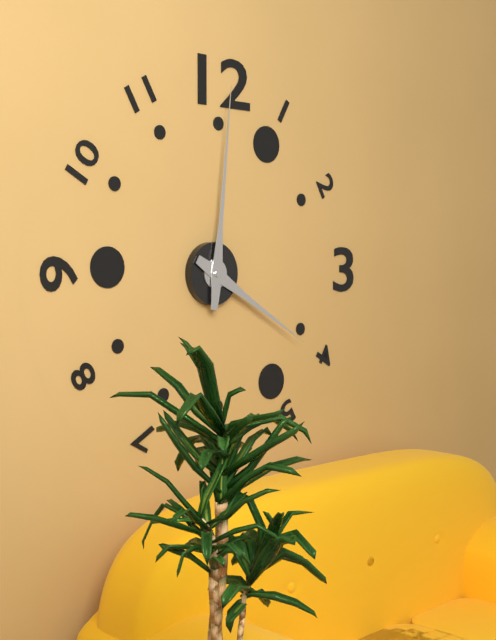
**4:01**
